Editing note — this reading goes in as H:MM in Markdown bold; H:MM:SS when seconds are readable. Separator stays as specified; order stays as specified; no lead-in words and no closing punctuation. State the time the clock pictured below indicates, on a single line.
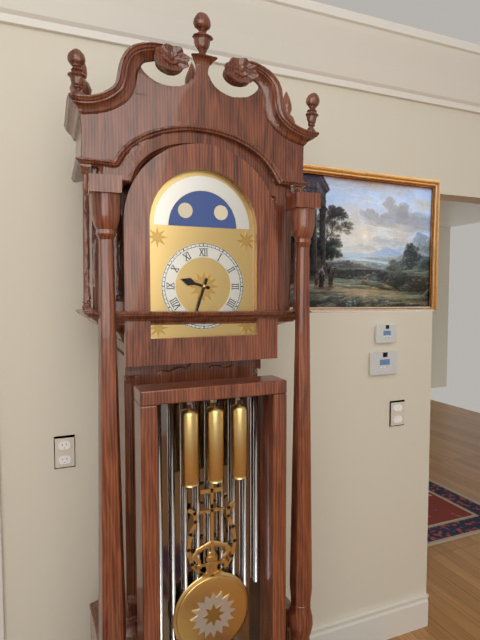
**9:33**
